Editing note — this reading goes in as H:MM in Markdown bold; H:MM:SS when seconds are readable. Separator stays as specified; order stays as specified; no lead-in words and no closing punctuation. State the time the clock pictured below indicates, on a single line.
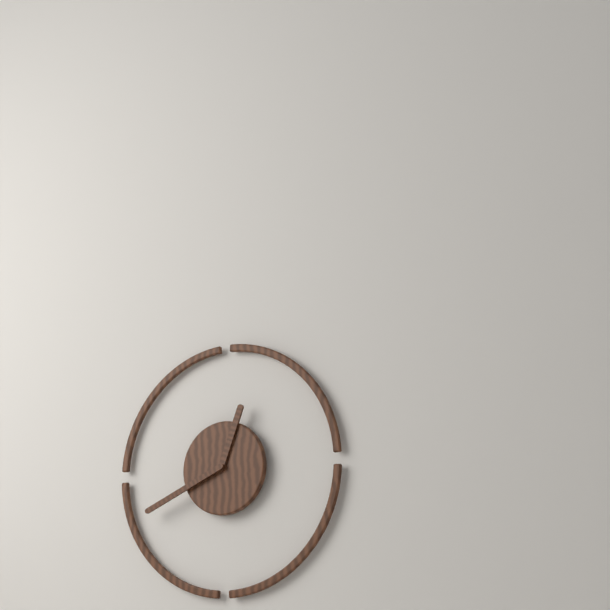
**12:41**
